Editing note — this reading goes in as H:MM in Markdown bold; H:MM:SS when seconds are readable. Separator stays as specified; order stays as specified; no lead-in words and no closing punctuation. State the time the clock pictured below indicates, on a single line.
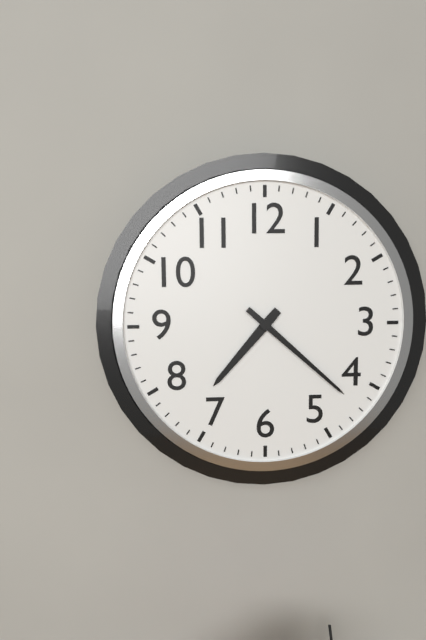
**7:22**
